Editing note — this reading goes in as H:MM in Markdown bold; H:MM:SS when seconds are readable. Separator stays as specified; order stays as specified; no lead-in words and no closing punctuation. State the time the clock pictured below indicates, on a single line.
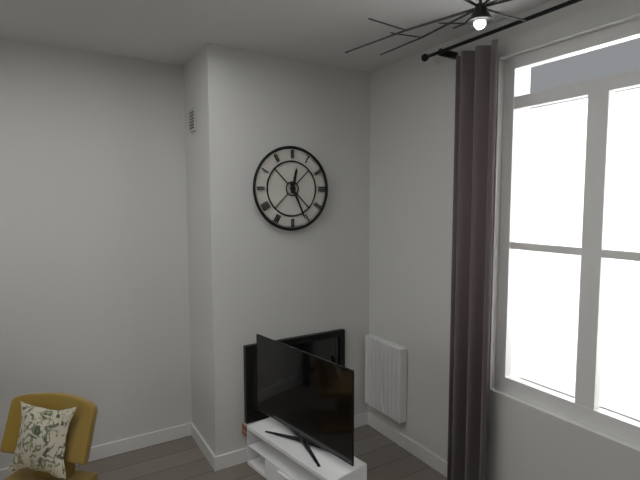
**12:26**
